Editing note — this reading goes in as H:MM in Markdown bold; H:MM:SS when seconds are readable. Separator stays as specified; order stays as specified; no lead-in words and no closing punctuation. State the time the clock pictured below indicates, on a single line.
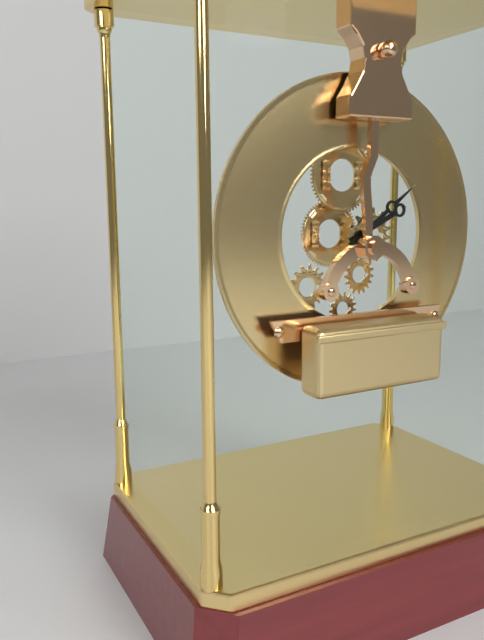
**2:09**
